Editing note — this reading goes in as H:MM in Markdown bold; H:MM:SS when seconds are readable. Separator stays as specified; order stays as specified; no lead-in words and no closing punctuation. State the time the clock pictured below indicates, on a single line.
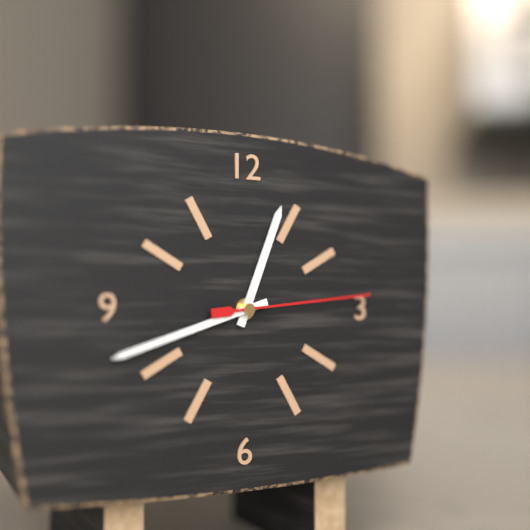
**12:42:14**
